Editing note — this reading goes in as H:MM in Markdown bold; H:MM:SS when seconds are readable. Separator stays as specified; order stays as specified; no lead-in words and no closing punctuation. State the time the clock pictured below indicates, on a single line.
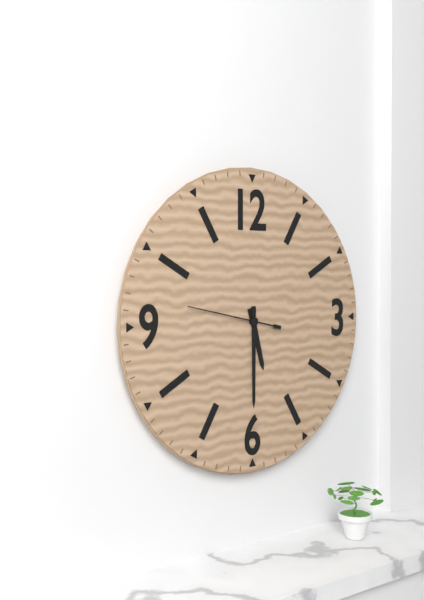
**5:30:47**
